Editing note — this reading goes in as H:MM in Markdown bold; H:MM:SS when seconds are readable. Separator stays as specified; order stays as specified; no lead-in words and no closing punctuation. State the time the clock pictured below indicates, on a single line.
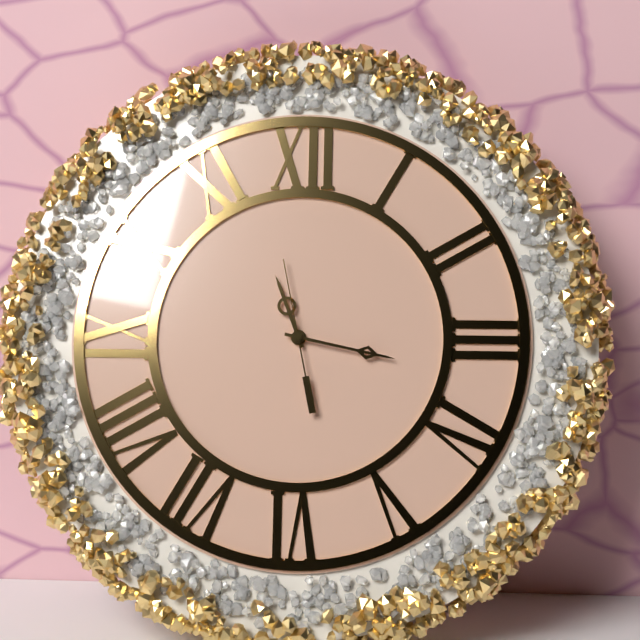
**11:17:58**
